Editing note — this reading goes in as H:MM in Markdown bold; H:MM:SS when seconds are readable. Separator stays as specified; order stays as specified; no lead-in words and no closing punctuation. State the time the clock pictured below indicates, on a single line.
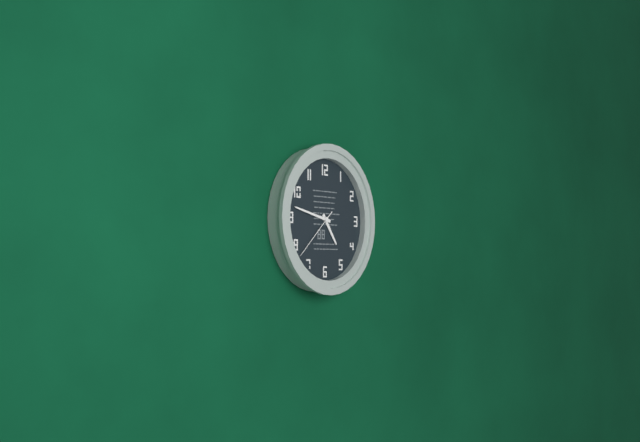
**4:47:38**
